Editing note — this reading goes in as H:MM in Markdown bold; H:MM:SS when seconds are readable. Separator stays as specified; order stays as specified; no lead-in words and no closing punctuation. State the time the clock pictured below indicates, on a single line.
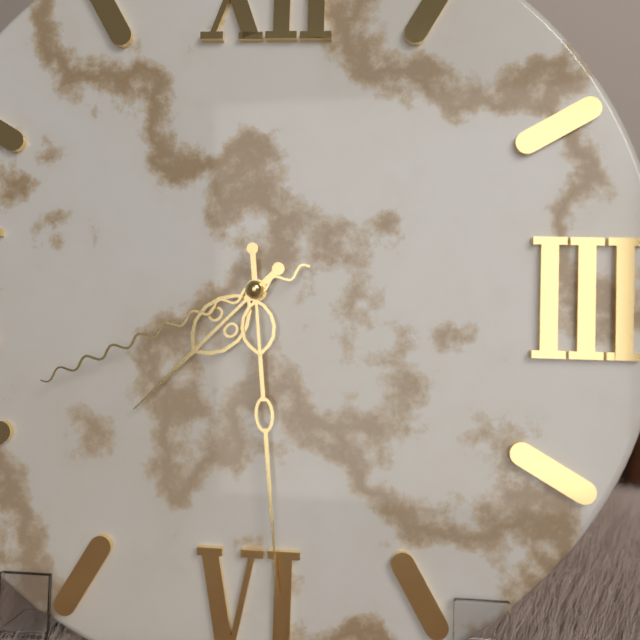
**7:29:41**
